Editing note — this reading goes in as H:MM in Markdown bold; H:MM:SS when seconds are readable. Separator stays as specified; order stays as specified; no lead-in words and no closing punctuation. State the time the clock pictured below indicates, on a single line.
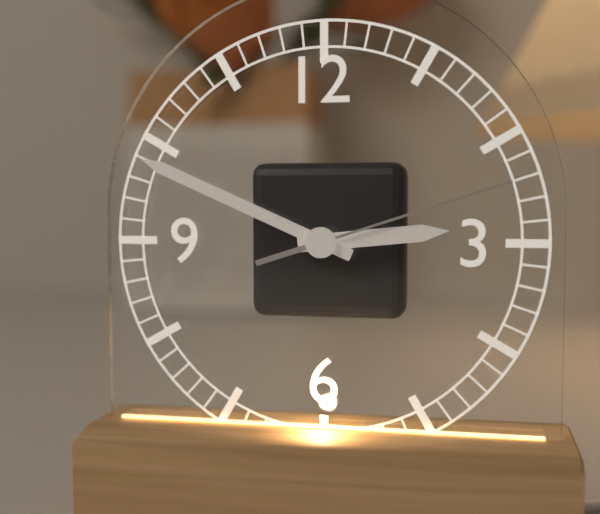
**2:49:12**
